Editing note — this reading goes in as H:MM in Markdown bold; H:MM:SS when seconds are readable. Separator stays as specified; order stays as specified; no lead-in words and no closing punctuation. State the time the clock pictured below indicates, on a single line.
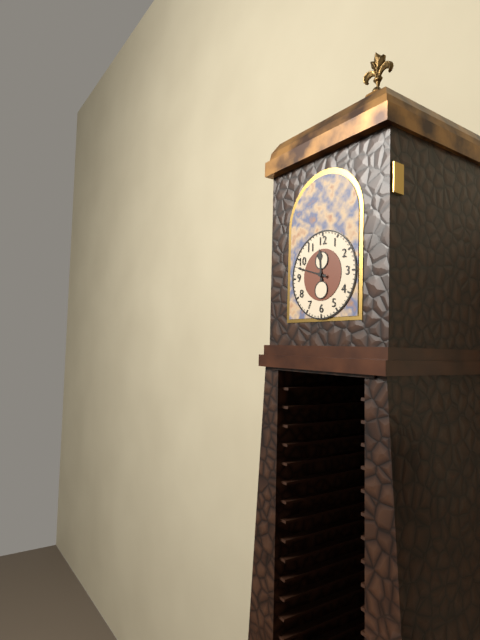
**11:48**
